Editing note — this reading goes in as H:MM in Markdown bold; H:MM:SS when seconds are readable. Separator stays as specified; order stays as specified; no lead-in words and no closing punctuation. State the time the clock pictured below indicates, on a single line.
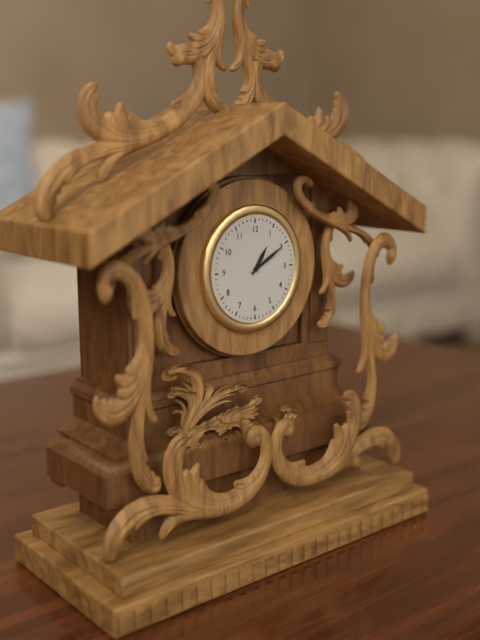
**1:10**
